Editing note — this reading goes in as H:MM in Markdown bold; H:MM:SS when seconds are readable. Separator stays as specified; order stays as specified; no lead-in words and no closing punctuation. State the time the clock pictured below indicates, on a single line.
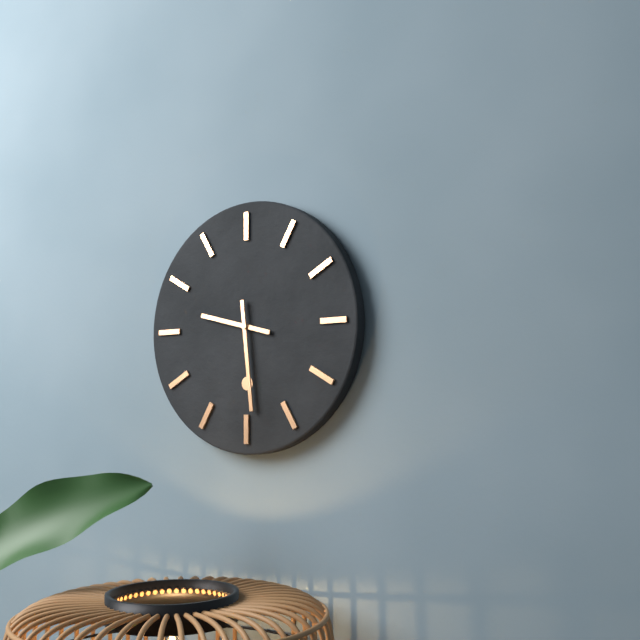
**9:29**
